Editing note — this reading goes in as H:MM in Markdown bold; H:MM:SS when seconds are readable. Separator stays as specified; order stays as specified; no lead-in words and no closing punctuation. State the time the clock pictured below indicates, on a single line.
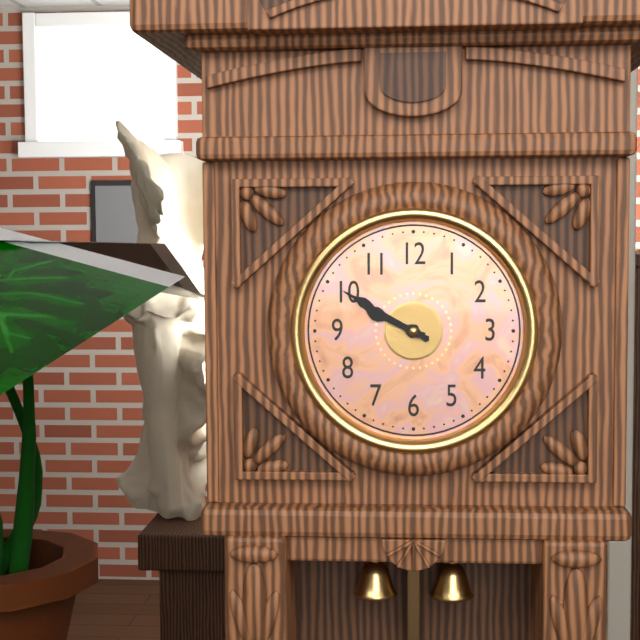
**9:50**
